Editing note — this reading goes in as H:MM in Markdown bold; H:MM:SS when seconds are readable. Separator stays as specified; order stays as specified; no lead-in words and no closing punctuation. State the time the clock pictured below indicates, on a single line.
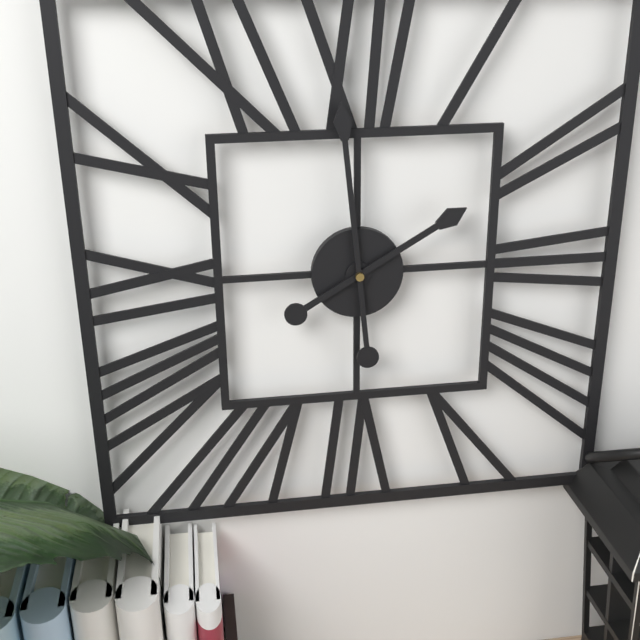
**1:59**
